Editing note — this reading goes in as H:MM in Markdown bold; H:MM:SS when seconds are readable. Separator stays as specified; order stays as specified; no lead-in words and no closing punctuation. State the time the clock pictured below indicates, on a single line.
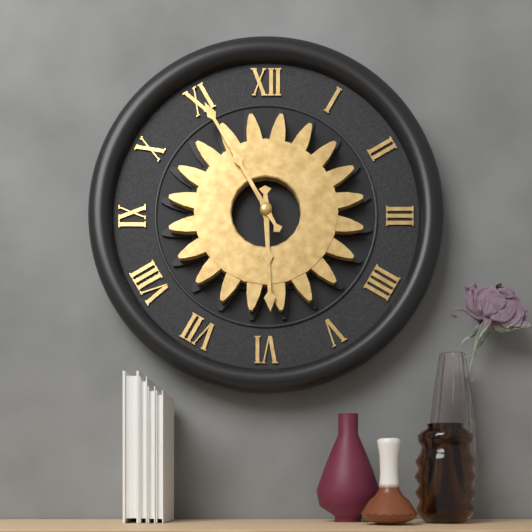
**5:55**
